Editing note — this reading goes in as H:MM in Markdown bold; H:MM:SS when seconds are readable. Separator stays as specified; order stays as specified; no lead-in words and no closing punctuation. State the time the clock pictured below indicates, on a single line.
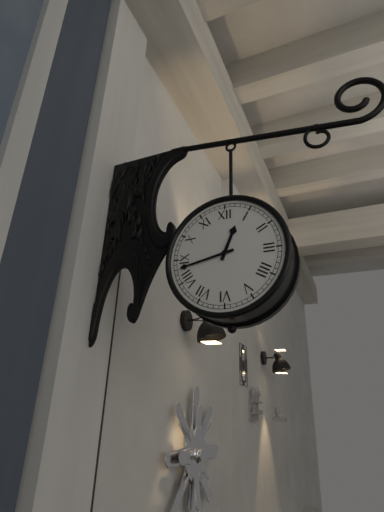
**12:43**
